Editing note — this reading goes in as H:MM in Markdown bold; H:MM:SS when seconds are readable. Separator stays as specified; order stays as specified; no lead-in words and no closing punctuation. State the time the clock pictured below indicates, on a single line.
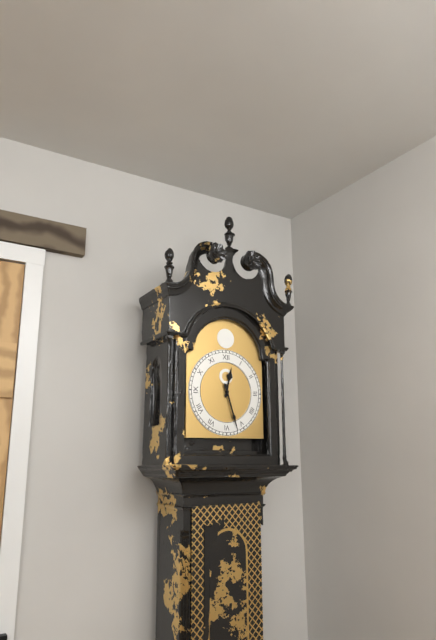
**12:27**
